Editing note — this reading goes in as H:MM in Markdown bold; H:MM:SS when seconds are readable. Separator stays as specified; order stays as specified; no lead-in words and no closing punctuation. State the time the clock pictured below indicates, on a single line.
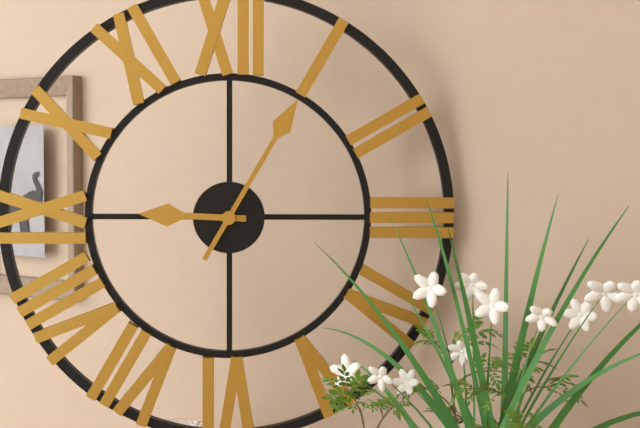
**9:05**
